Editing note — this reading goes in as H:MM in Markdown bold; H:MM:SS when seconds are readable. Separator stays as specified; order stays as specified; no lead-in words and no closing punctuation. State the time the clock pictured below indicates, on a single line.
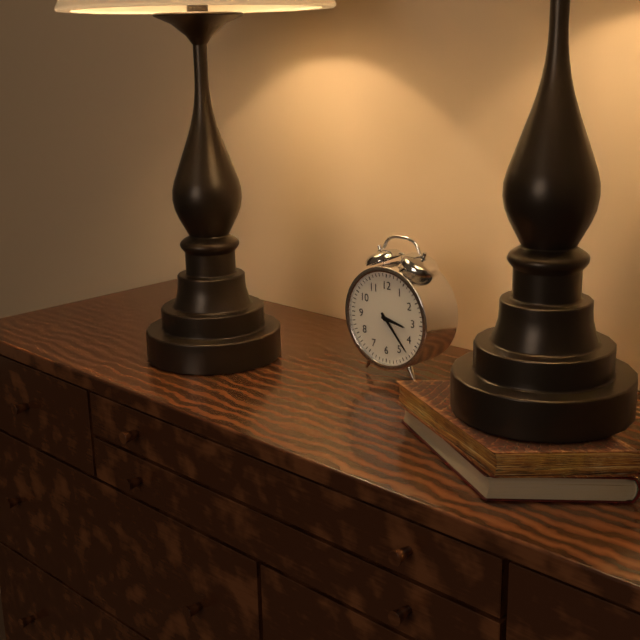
**3:23**
